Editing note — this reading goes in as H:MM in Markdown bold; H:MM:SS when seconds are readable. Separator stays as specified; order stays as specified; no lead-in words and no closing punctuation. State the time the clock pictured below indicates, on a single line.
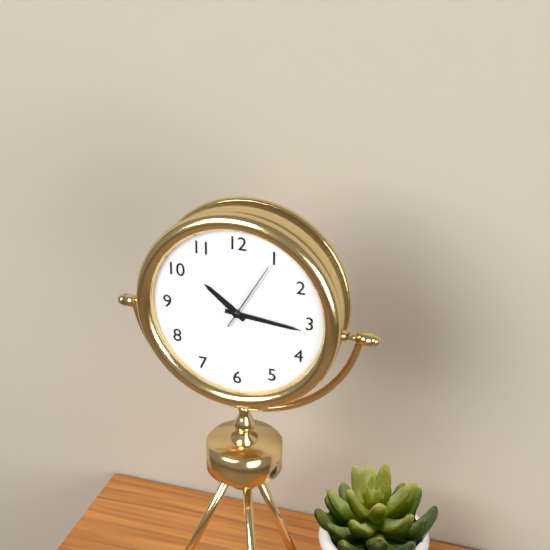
**10:16:05**
